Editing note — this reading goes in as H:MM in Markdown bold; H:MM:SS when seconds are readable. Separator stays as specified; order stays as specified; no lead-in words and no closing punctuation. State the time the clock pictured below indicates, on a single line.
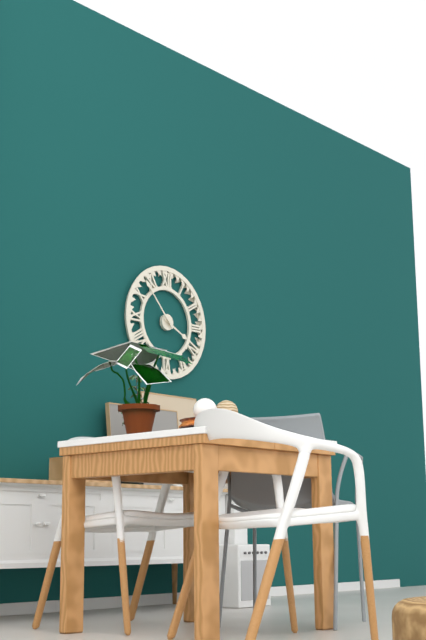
**3:53**
